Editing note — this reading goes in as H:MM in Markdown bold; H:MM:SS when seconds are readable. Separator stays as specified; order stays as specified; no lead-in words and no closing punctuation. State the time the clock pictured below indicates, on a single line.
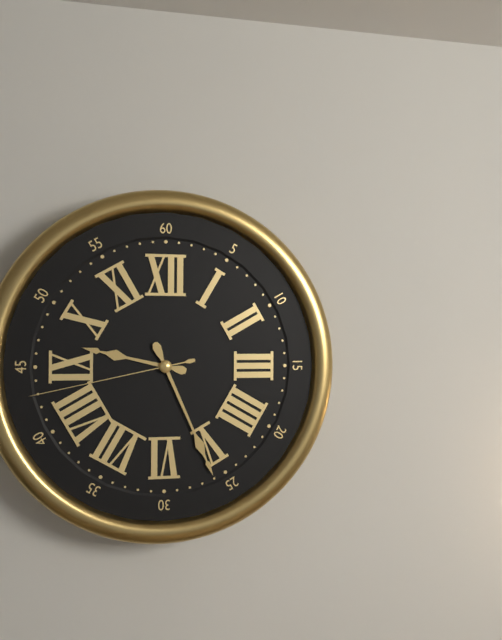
**9:26:43**
